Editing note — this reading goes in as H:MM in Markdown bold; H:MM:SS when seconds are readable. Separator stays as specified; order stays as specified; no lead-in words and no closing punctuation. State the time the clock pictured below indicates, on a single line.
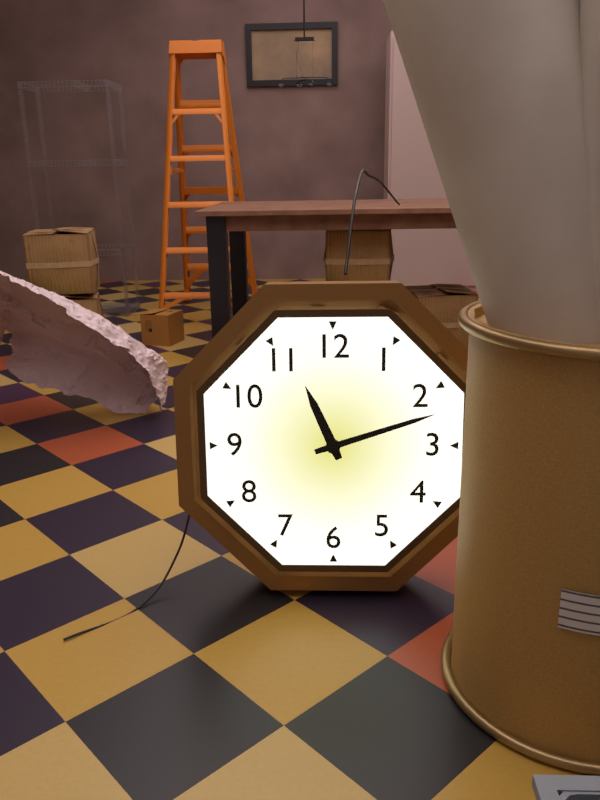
**11:12**
